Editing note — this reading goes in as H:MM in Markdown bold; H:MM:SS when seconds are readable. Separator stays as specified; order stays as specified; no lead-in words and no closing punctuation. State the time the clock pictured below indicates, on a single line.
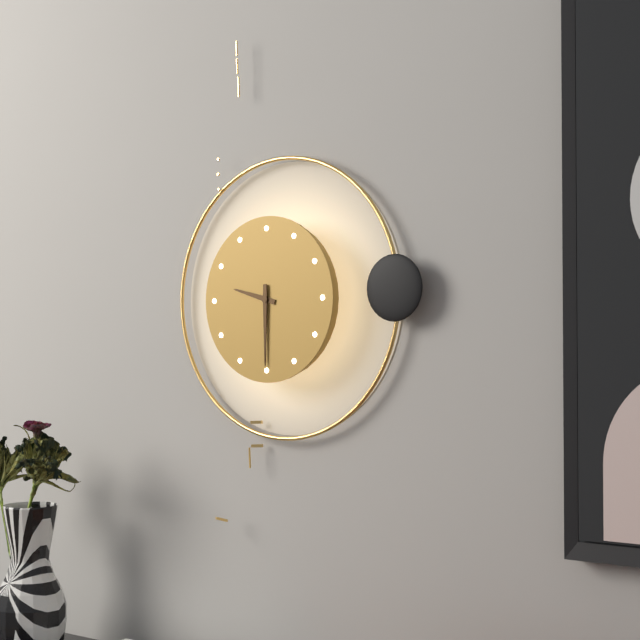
**9:30**
